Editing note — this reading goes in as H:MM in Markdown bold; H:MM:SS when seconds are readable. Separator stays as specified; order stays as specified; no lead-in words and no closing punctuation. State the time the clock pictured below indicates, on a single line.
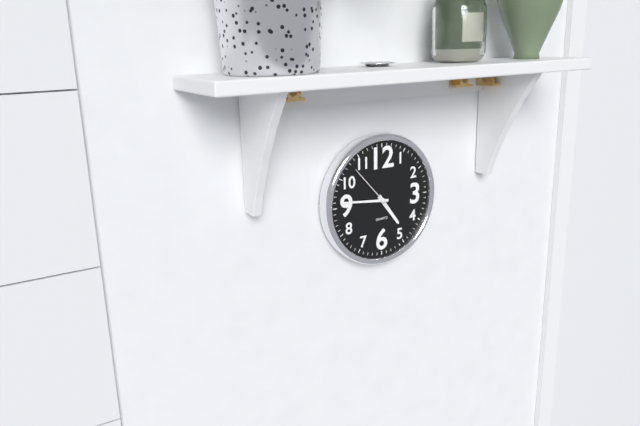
**4:46:53**
